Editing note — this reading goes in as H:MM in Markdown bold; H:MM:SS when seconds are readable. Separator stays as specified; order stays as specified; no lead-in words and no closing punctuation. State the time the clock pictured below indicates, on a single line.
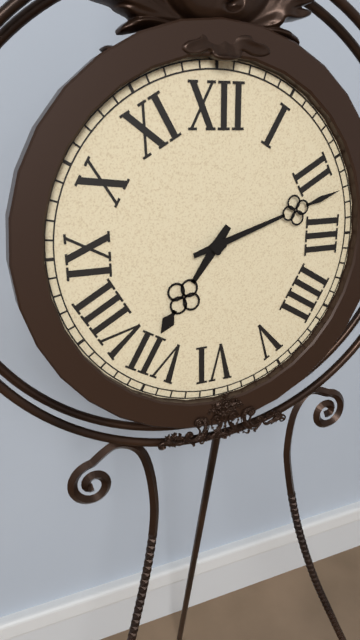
**7:12**
